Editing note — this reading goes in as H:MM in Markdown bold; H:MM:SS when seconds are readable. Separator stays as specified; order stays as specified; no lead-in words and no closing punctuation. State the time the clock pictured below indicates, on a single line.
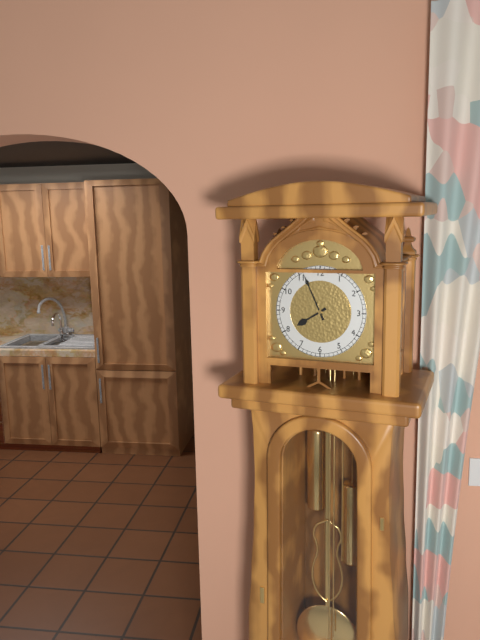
**7:56**
